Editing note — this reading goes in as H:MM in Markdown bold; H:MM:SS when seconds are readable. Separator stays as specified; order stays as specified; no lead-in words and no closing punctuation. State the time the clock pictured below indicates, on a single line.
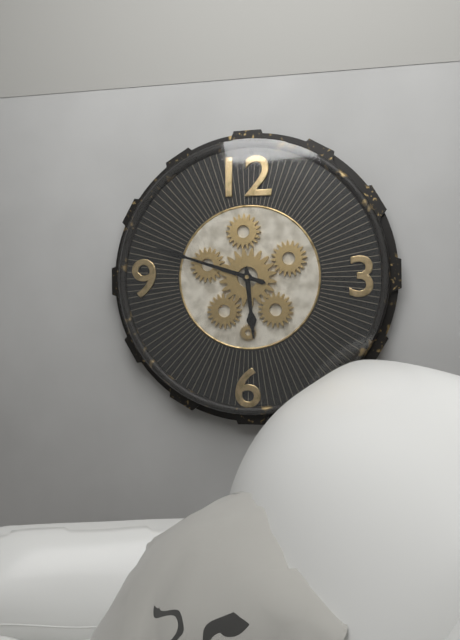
**5:48**
